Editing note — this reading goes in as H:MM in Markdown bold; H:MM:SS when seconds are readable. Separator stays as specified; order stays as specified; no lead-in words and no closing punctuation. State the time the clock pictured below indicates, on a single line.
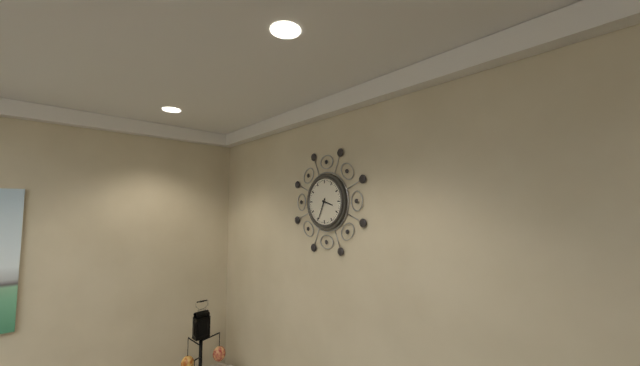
**3:34**
